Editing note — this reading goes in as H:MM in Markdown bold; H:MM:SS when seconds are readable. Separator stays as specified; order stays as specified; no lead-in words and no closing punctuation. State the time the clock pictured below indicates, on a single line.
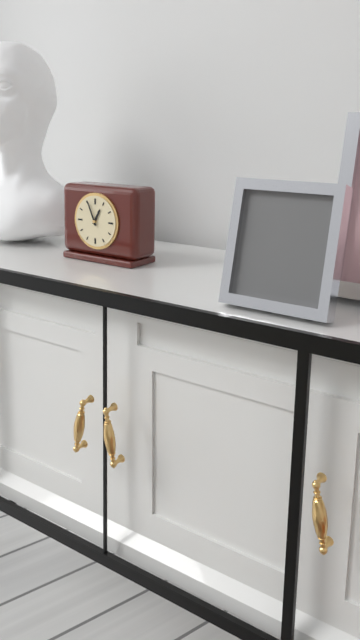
**12:56**
